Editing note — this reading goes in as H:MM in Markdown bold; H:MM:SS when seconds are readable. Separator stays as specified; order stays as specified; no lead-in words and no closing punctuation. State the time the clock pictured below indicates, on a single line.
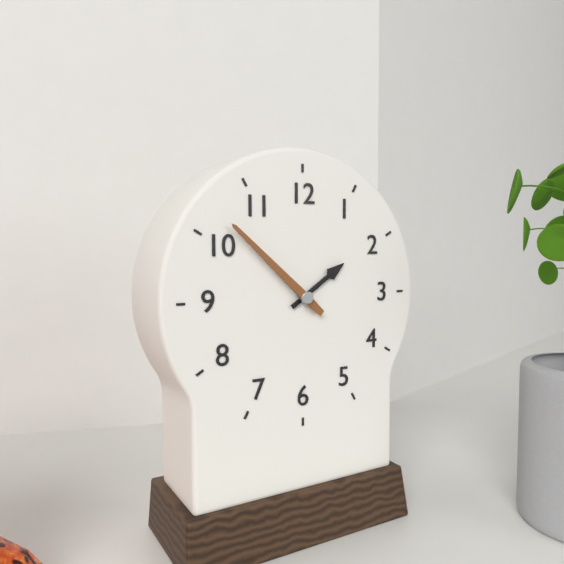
**1:52**
